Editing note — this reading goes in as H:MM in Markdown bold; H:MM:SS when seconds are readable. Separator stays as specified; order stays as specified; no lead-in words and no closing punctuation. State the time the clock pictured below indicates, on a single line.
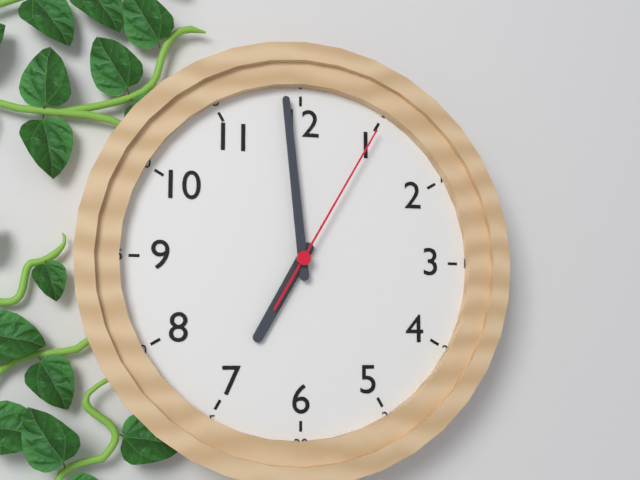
**6:59:05**
